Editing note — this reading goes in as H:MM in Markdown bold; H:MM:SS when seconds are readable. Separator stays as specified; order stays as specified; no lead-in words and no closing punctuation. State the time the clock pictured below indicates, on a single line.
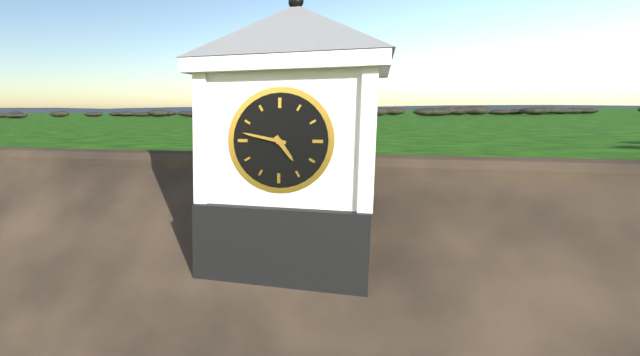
**4:47**
